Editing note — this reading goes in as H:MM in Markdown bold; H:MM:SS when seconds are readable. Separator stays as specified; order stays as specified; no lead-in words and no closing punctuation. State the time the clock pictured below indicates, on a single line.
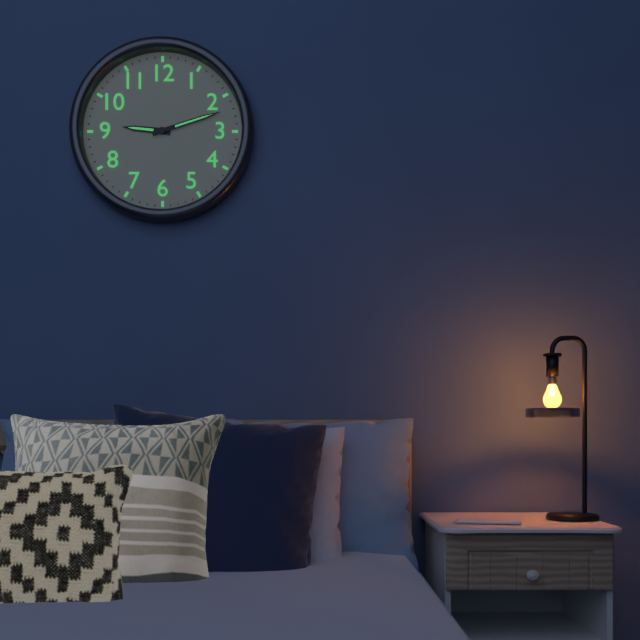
**9:12**
